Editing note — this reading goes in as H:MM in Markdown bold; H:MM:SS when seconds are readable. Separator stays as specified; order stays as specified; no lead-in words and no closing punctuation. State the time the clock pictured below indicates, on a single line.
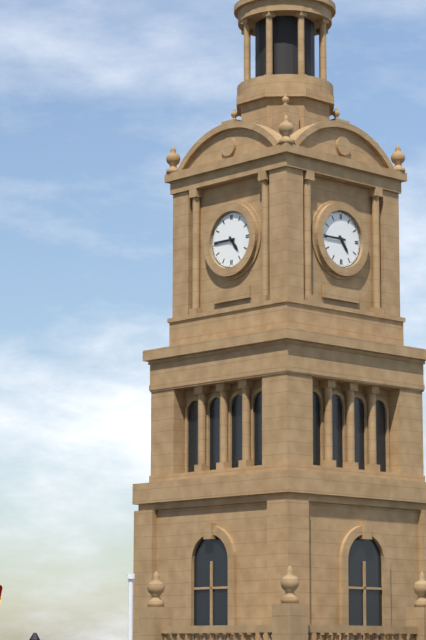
**4:45**
